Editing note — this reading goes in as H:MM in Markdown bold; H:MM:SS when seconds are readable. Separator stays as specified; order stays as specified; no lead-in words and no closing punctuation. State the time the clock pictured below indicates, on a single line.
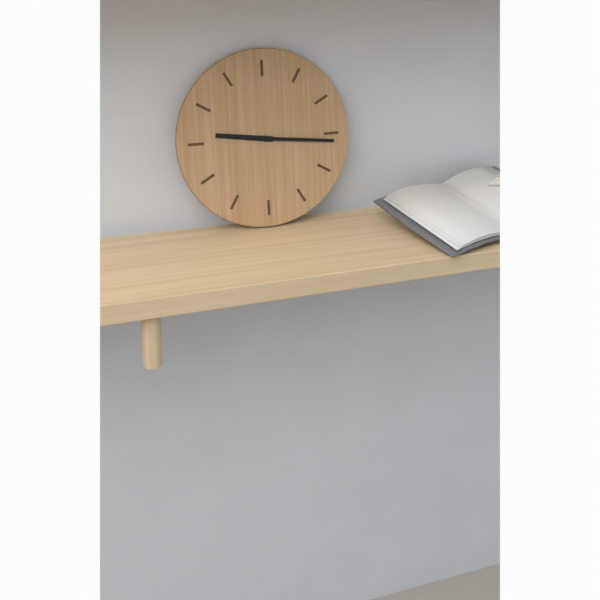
**9:16**
